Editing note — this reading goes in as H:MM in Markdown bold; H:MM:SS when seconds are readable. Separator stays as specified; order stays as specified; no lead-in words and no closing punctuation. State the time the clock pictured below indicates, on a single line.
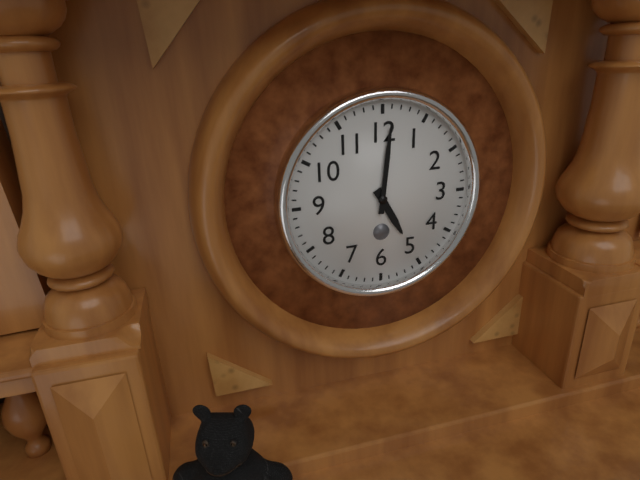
**5:01**
